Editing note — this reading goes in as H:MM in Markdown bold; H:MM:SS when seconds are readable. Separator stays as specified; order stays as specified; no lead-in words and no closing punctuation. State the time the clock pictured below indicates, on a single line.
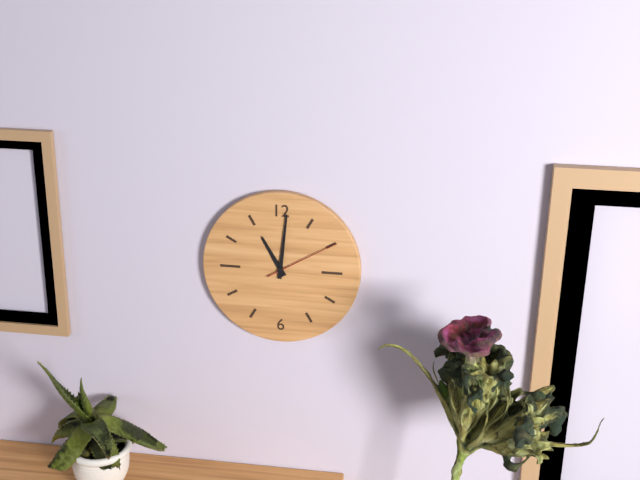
**11:01:10**
